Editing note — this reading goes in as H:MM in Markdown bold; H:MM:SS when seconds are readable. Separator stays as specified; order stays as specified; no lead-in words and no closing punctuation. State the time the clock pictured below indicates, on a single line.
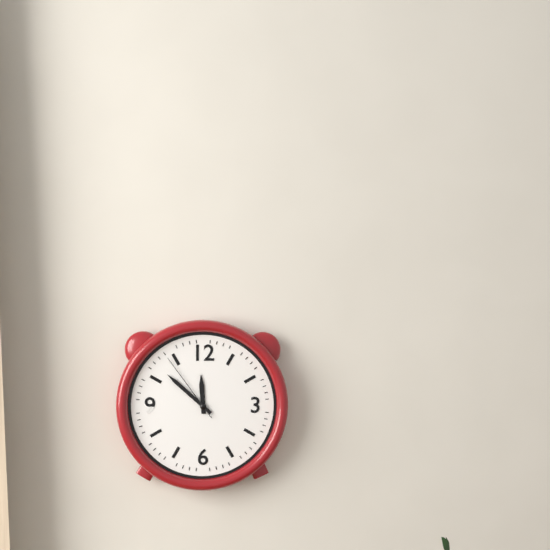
**11:52:54**
